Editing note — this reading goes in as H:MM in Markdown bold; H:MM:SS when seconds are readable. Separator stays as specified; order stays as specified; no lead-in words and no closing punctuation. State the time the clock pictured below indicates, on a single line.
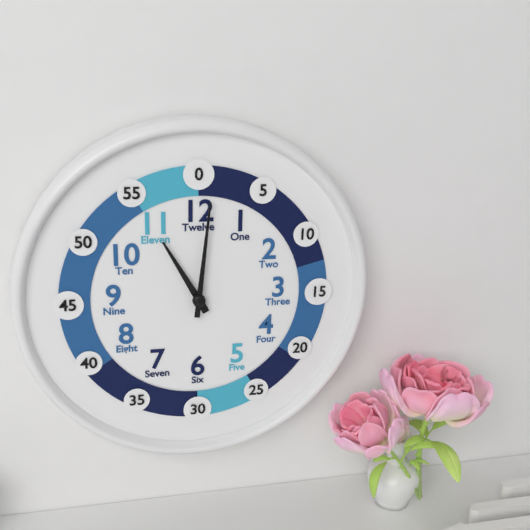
**11:01**
